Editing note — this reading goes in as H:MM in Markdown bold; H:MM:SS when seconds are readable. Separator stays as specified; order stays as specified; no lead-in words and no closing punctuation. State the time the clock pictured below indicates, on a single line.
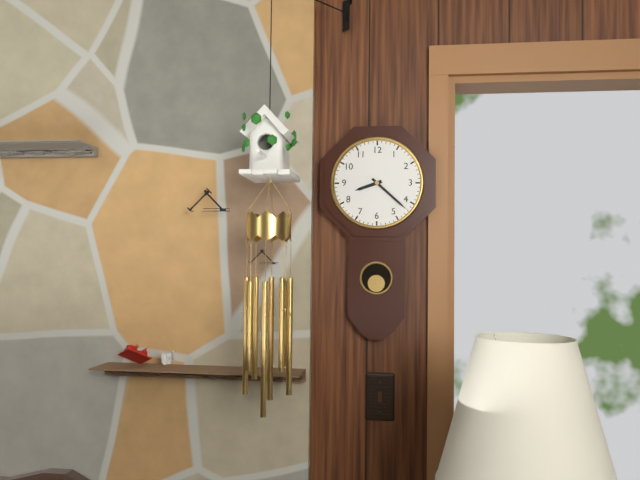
**8:22**
